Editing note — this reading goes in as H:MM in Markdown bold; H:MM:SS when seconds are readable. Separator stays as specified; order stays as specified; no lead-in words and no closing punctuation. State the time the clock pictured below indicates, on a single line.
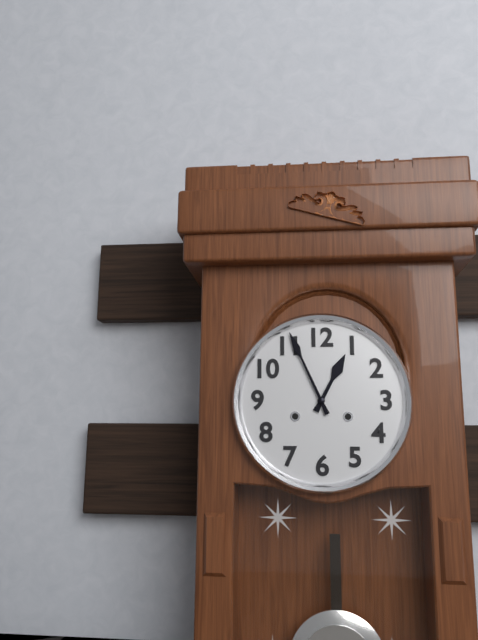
**12:56**
